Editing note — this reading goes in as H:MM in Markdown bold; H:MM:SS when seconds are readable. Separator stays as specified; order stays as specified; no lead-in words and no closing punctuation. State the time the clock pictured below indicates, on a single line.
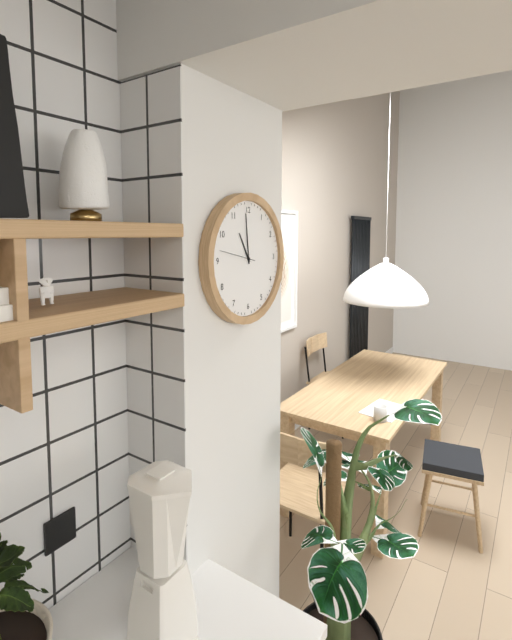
**10:59**
